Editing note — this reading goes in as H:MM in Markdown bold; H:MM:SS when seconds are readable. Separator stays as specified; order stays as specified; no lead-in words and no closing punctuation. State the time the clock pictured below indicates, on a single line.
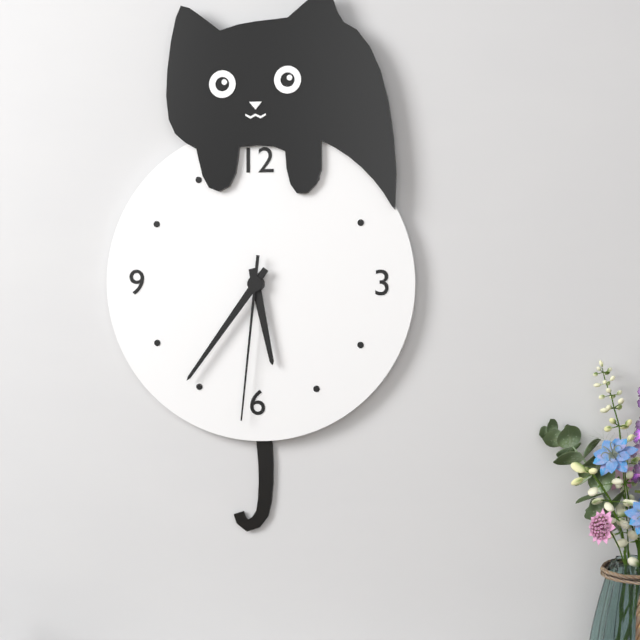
**5:36:31**
